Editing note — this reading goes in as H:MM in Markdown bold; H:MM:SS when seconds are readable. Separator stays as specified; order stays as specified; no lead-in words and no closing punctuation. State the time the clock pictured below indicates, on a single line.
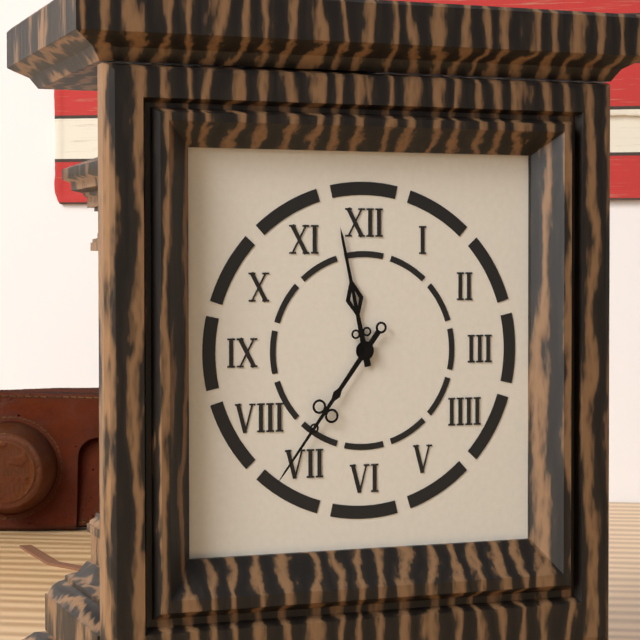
**11:36**
